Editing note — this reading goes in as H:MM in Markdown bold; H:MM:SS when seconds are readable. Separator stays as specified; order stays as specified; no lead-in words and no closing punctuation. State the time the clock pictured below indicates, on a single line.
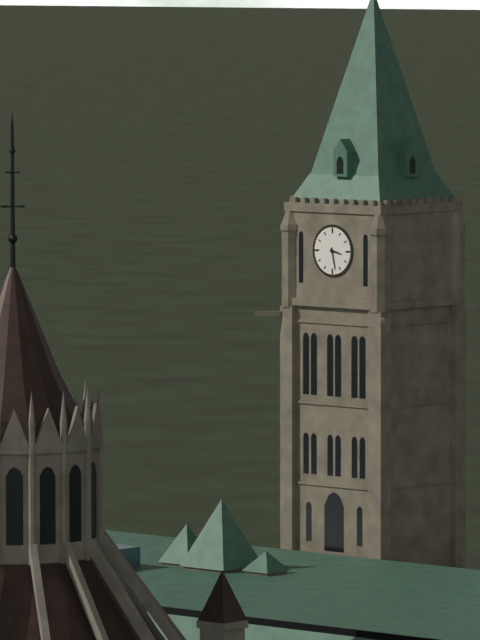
**3:28**
